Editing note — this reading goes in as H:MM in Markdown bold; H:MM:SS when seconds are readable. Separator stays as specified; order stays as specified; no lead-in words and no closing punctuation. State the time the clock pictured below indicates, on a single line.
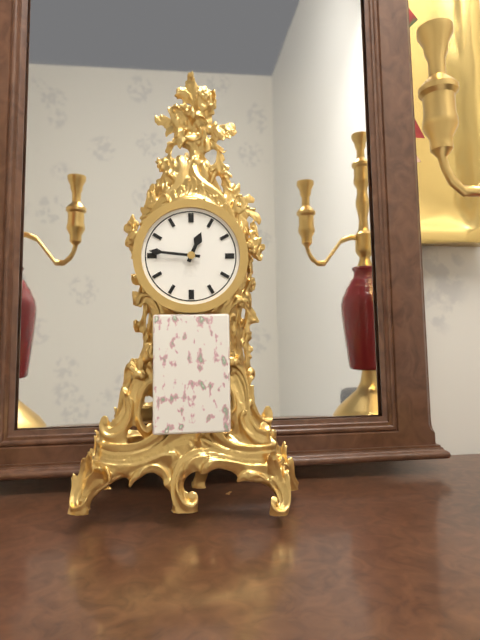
**12:46**
